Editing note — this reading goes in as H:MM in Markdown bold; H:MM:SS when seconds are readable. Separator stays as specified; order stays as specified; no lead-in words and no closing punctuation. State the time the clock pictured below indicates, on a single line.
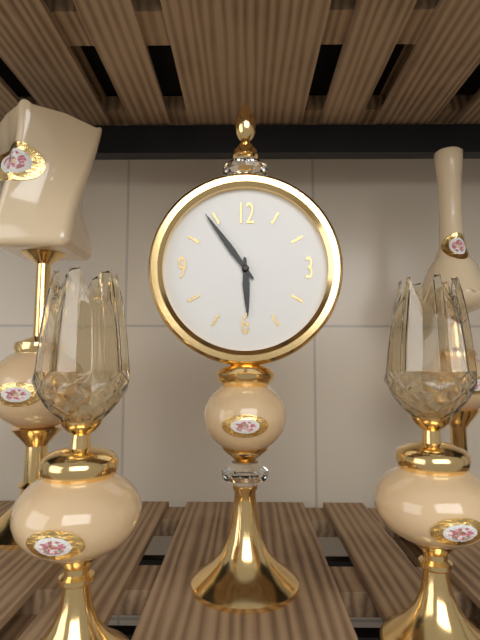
**5:54**
